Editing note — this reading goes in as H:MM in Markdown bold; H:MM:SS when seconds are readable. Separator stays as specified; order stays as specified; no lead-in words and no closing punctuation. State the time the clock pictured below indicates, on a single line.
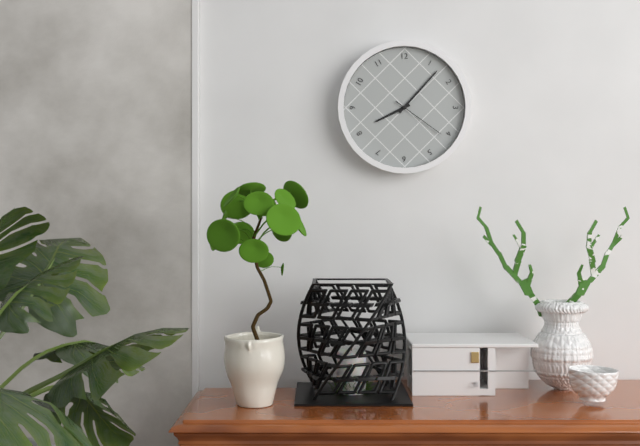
**8:07:21**
